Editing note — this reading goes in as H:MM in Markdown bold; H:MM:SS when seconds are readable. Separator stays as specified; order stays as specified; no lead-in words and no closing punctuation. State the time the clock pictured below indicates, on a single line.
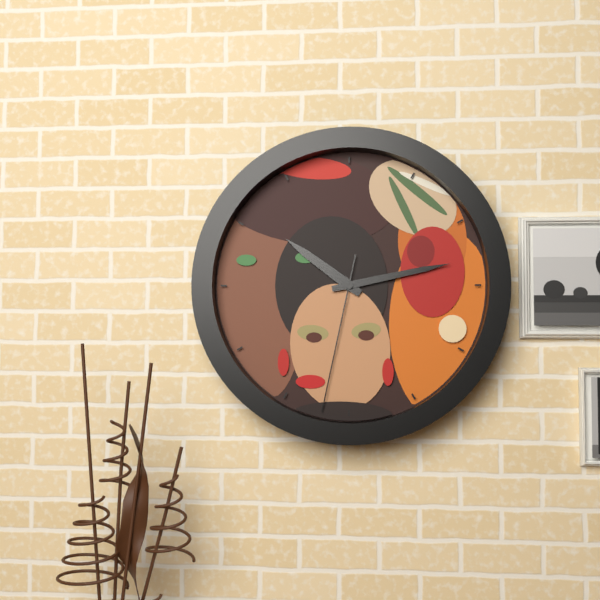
**10:13:32**
